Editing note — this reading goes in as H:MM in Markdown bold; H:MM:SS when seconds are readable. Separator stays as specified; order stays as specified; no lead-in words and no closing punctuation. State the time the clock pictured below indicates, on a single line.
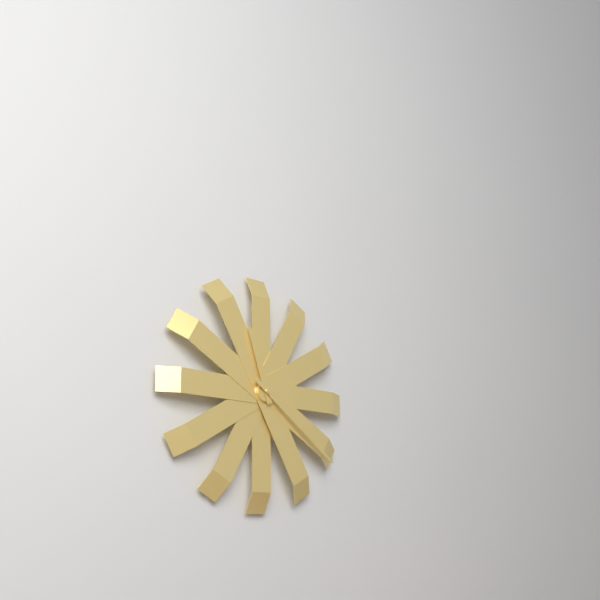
**11:21**
